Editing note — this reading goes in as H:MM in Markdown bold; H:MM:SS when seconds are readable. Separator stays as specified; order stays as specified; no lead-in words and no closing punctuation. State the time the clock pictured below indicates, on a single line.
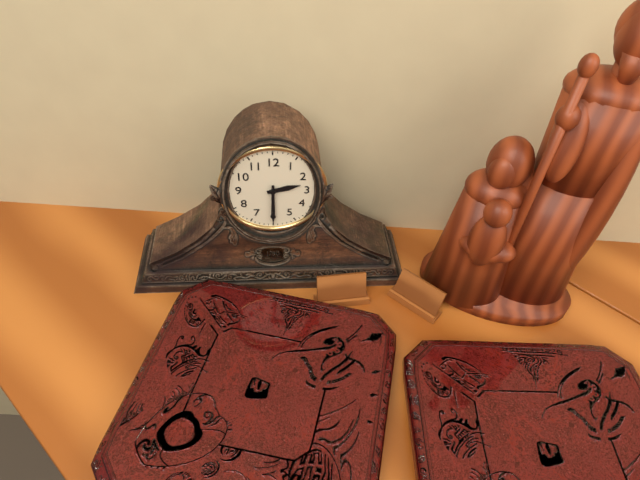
**2:30**
